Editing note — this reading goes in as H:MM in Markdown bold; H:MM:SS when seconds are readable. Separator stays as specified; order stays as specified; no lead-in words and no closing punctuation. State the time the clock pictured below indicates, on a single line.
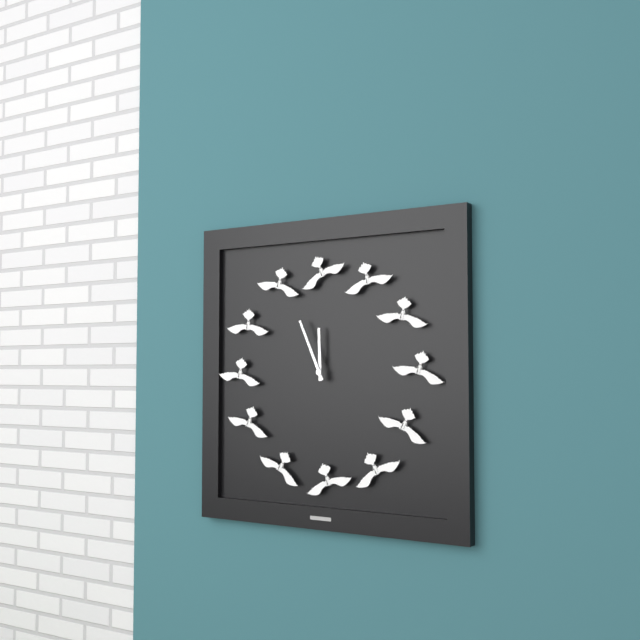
**11:56**
